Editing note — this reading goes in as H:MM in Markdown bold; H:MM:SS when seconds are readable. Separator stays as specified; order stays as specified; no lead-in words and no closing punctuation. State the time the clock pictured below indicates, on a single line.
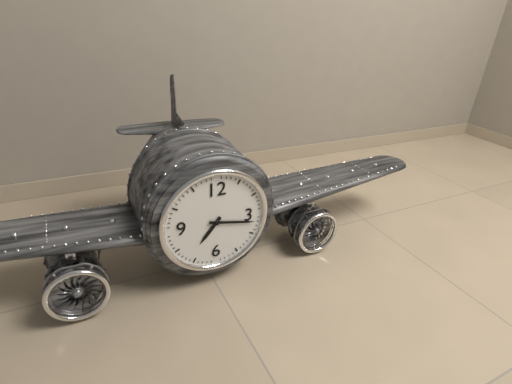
**7:17**
